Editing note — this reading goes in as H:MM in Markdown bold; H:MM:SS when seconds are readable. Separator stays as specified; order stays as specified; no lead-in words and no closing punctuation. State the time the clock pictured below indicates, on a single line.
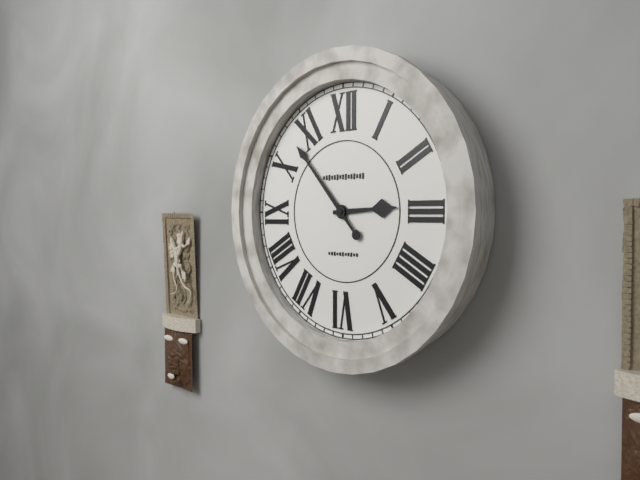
**2:53**
